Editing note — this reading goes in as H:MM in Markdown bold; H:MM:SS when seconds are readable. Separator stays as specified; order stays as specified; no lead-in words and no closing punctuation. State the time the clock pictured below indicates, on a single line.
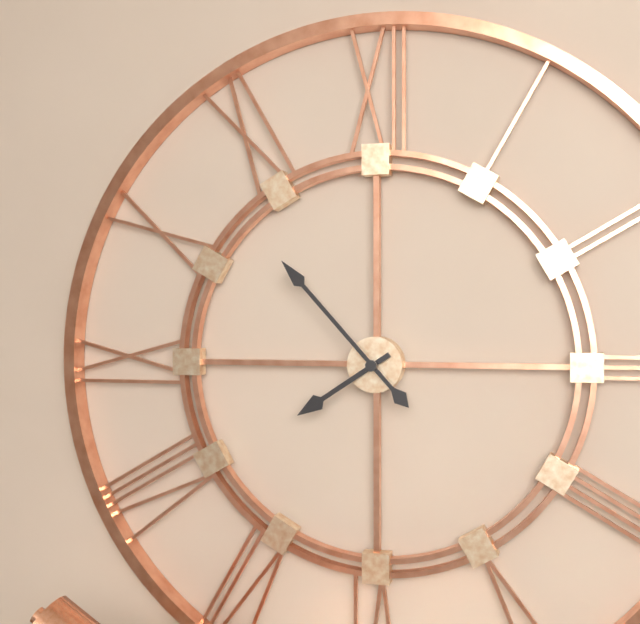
**7:53**
